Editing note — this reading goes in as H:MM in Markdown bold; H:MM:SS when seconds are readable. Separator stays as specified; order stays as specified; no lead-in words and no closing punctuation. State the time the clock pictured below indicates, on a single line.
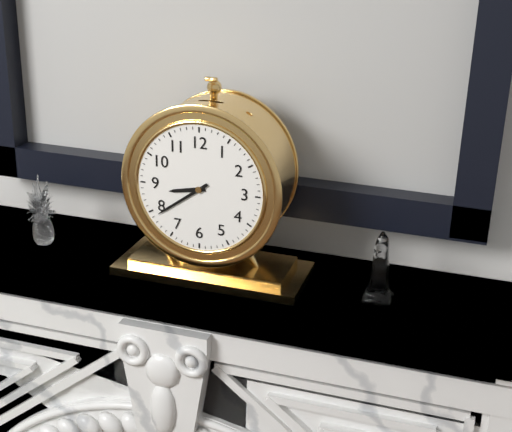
**8:39**
